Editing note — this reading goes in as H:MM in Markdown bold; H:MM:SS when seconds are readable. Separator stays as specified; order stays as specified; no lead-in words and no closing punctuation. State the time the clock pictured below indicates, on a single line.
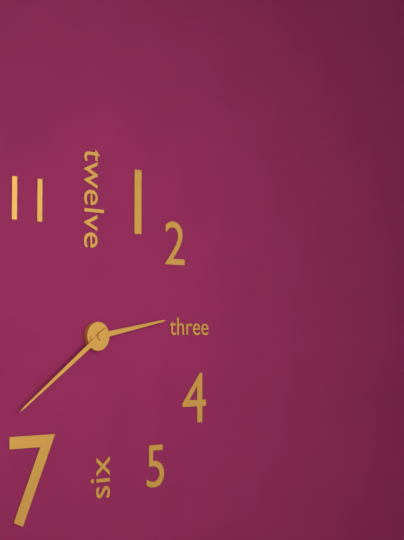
**2:39**
